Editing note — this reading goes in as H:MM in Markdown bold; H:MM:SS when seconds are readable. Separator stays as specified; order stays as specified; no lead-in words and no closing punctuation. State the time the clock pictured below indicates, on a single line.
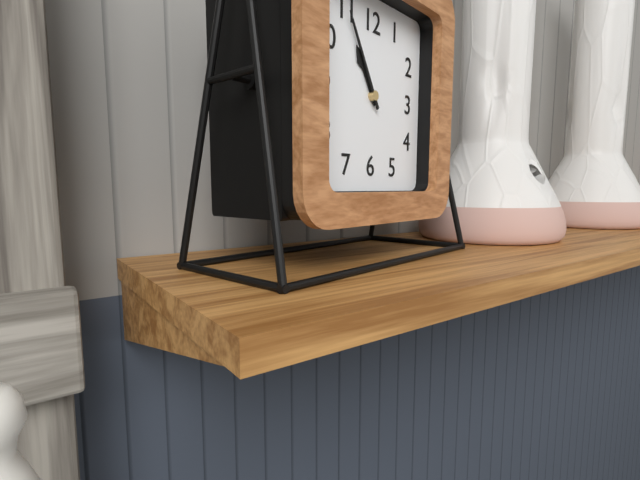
**10:55**
